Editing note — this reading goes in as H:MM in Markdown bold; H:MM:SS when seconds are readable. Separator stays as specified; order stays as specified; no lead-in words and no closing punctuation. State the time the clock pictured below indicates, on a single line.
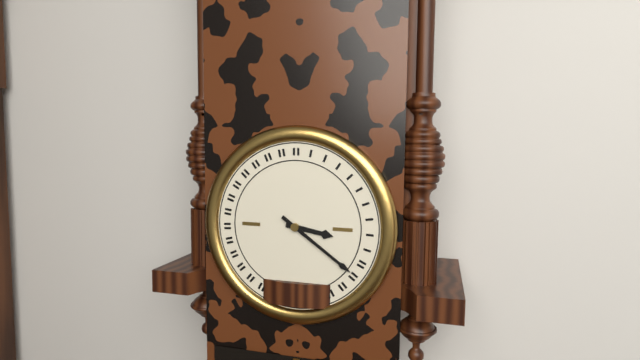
**3:21**
